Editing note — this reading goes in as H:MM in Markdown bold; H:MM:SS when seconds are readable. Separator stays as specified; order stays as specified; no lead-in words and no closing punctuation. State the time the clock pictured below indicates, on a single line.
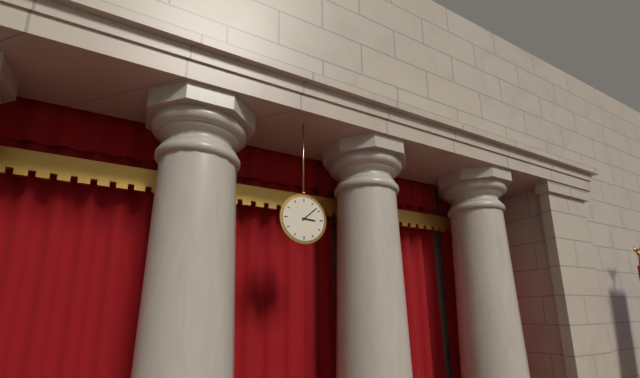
**3:08**
